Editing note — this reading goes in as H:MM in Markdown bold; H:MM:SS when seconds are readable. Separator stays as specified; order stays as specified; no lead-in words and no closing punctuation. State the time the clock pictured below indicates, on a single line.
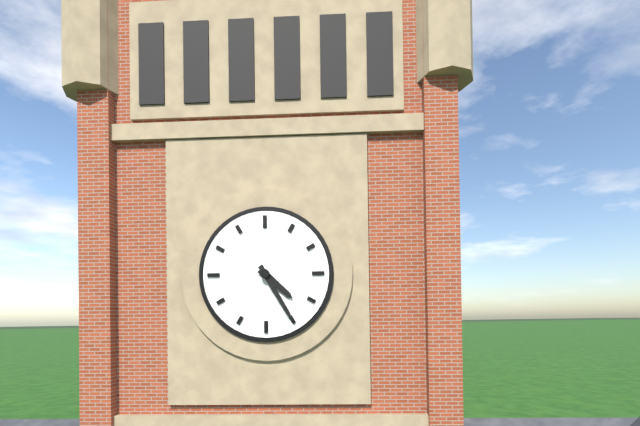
**4:25**
